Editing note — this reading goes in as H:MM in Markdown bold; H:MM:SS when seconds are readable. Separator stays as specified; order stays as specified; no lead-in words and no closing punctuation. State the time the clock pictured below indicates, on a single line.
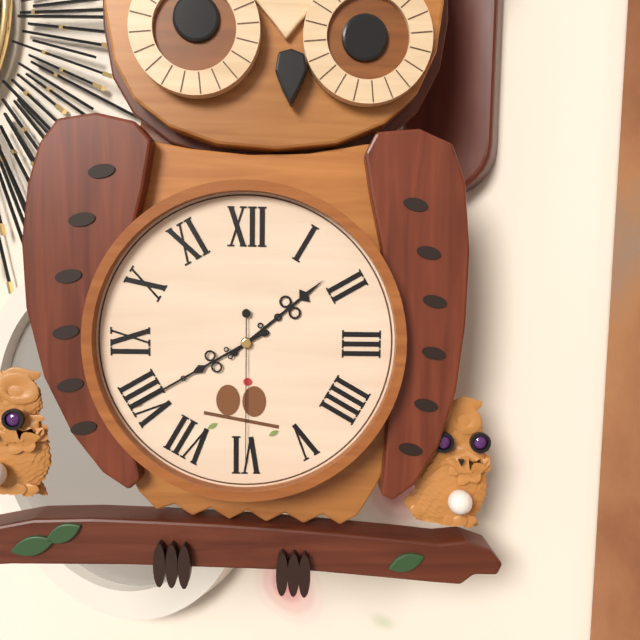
**1:40:30**
